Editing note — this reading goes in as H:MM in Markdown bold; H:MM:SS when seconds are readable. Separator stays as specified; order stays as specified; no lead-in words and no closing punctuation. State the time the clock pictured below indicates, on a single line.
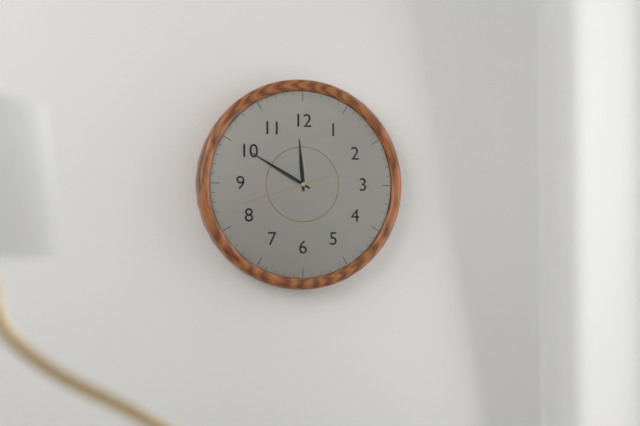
**11:50:42**
